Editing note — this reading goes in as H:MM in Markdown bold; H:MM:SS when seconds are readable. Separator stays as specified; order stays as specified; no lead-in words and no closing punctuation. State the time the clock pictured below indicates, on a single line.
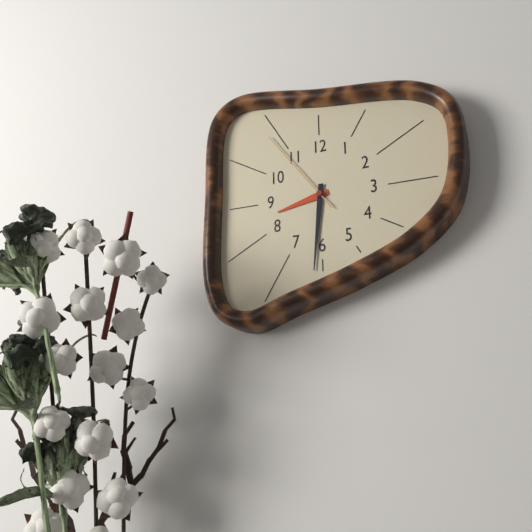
**8:31:54**
